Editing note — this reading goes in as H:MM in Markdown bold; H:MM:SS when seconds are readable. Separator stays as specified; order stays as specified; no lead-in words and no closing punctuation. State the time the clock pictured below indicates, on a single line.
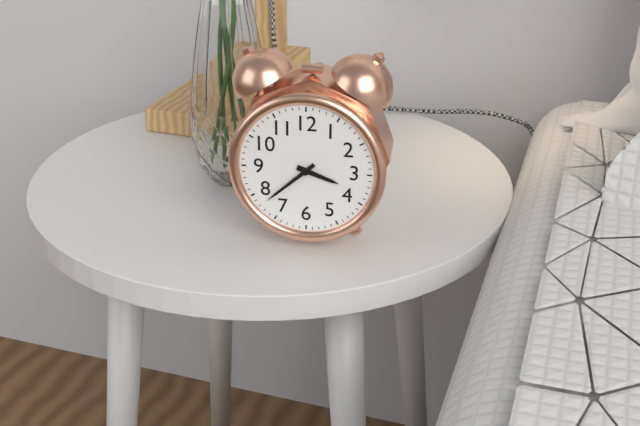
**3:38**
